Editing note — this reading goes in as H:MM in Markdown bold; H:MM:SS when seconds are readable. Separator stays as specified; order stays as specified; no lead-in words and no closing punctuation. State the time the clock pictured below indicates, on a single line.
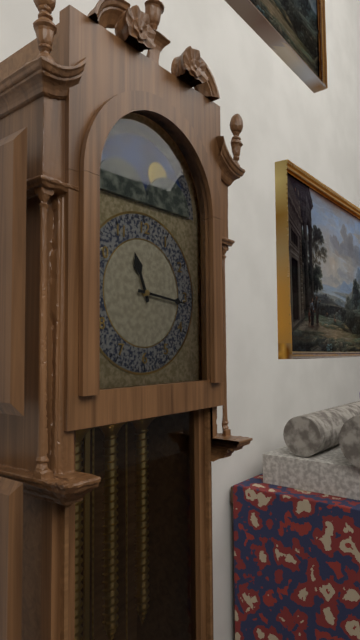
**11:16**
